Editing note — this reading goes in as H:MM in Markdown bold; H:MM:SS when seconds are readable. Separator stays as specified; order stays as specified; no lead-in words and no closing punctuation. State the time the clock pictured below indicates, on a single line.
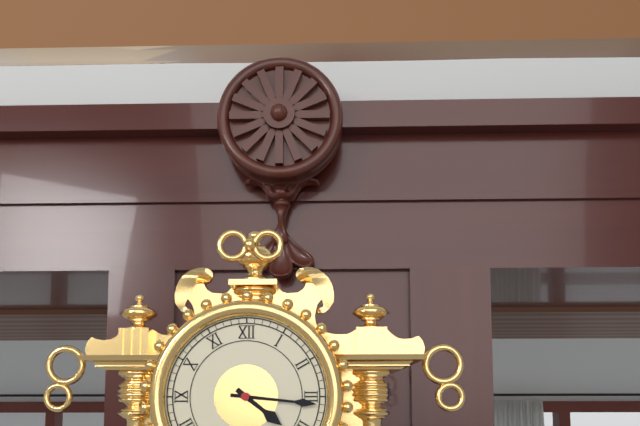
**4:16**
